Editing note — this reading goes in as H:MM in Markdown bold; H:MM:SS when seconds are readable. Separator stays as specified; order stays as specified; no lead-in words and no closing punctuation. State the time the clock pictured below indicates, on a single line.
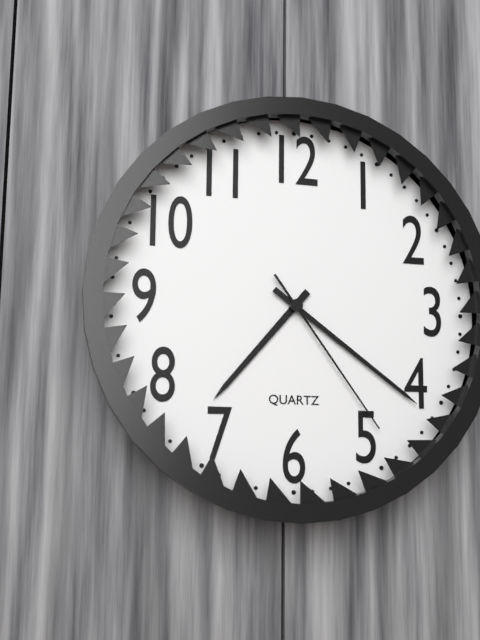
**7:21:24**
